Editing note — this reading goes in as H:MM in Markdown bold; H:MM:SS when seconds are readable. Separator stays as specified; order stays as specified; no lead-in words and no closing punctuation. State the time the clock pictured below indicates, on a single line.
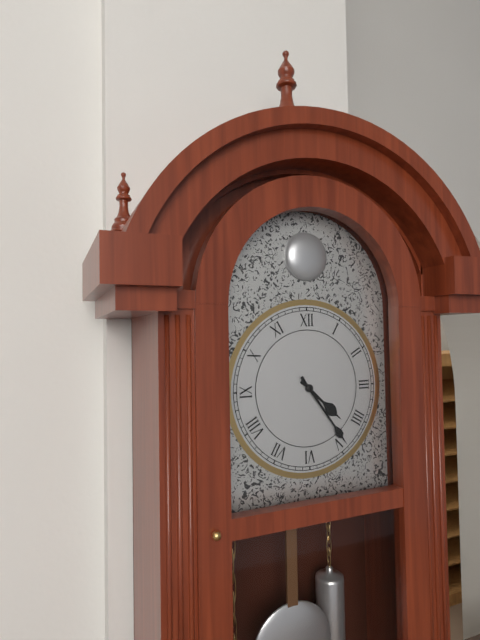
**4:24**
